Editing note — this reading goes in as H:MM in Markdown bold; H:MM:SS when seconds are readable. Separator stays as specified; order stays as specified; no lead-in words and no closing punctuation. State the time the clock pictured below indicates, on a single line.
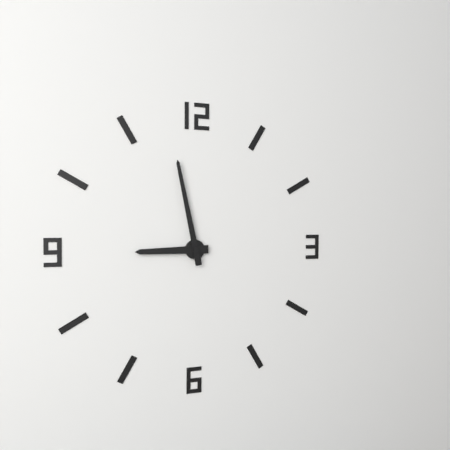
**8:58**
